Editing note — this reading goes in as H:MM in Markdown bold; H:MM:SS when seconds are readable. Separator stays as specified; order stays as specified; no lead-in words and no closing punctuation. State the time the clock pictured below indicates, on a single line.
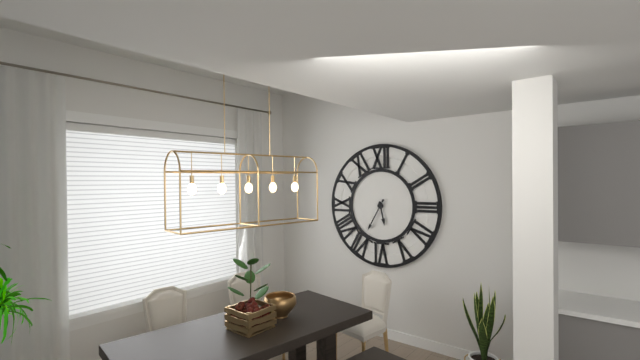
**5:35**
